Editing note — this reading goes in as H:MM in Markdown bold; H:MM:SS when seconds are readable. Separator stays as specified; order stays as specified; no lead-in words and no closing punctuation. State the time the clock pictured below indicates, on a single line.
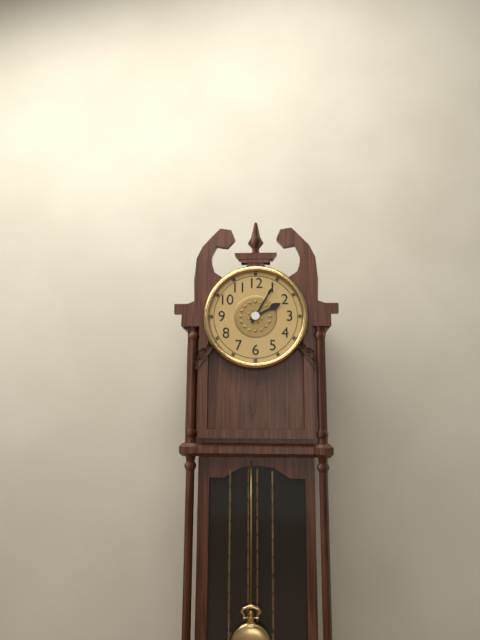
**2:05**
